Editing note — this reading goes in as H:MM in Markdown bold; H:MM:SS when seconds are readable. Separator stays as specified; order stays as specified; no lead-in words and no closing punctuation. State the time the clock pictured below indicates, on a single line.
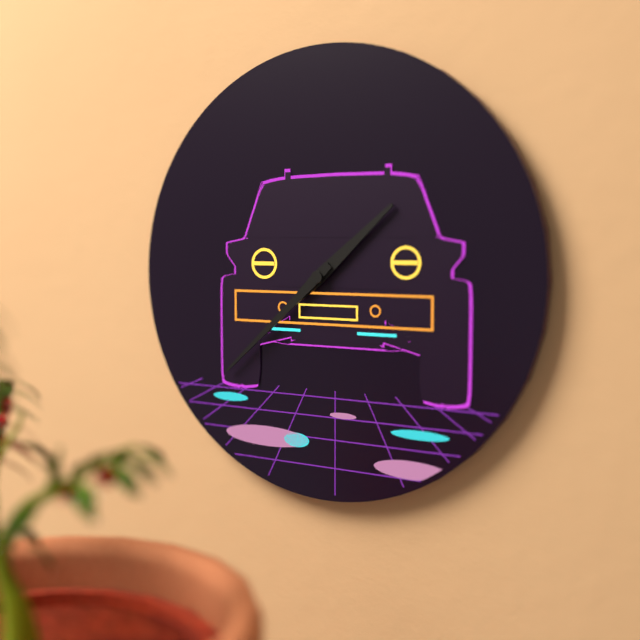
**1:38**
